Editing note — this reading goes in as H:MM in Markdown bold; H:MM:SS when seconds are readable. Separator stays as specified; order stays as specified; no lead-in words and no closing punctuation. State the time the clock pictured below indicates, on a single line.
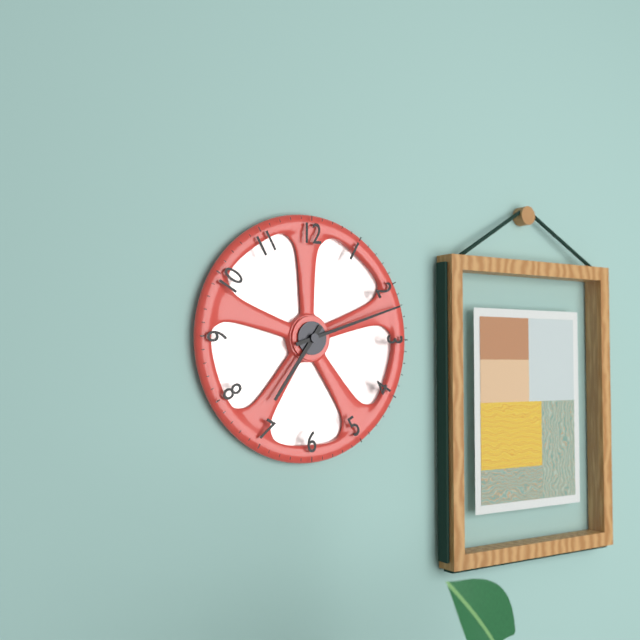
**7:12**
